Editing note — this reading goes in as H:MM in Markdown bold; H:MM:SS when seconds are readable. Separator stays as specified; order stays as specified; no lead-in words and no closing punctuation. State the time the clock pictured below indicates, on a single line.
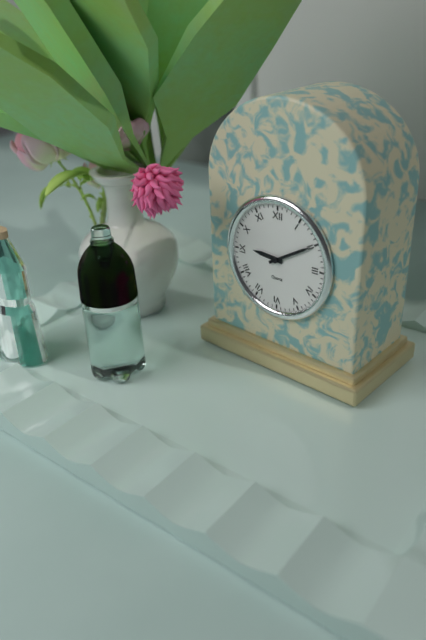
**9:10**
